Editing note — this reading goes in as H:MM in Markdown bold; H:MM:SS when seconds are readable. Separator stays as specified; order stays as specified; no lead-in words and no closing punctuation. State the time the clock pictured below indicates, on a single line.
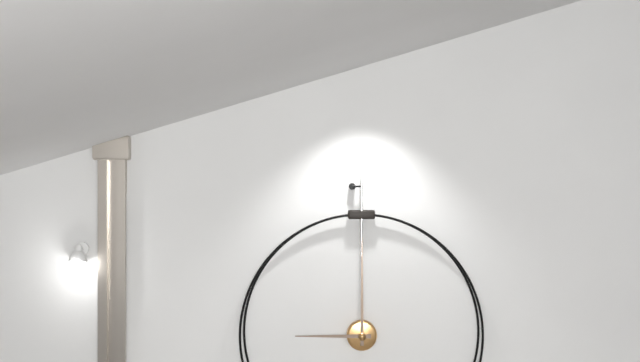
**9:00**
